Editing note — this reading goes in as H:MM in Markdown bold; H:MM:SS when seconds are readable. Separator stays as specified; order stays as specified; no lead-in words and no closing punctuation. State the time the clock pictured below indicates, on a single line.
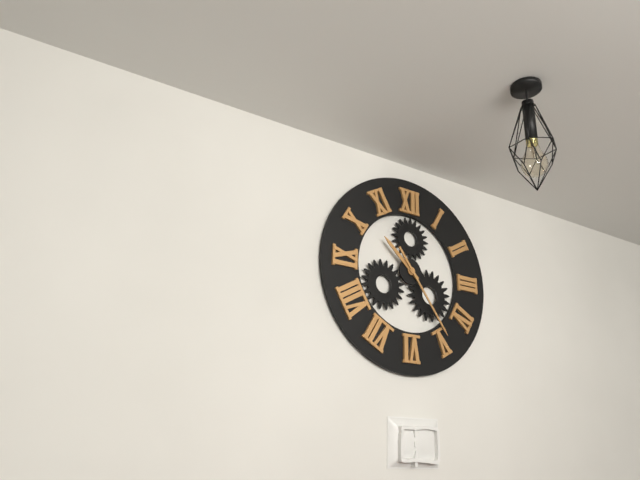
**10:24**
